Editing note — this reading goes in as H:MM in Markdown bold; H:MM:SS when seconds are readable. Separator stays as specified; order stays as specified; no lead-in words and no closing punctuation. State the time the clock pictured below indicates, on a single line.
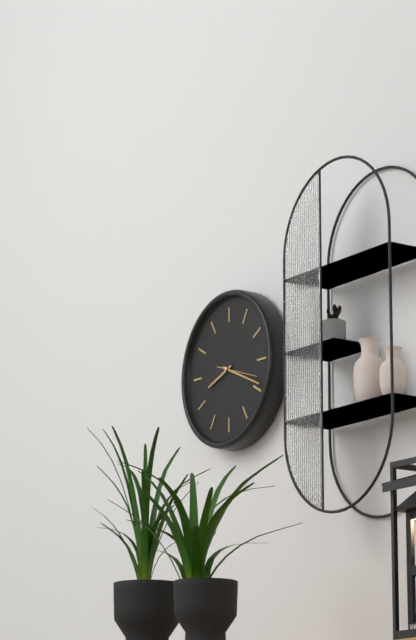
**8:19**
